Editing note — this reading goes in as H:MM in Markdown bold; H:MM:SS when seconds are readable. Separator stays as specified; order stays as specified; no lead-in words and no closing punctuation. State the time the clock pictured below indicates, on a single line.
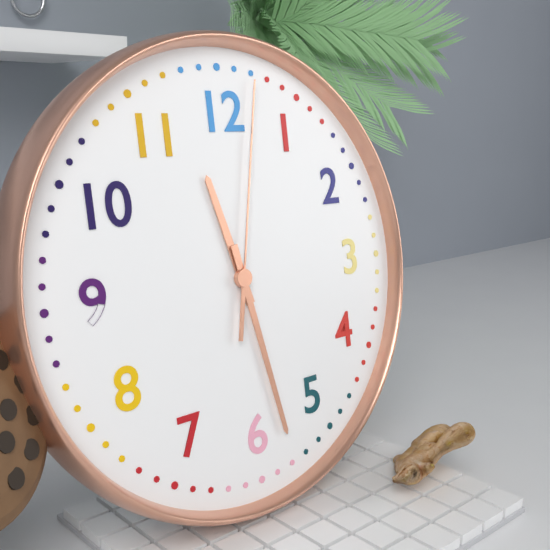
**11:28:02**
